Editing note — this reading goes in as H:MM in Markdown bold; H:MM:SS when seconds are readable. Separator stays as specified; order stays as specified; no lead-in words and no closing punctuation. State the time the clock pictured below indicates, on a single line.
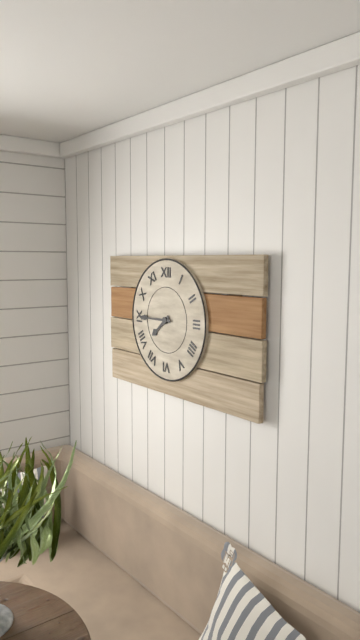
**7:45**
